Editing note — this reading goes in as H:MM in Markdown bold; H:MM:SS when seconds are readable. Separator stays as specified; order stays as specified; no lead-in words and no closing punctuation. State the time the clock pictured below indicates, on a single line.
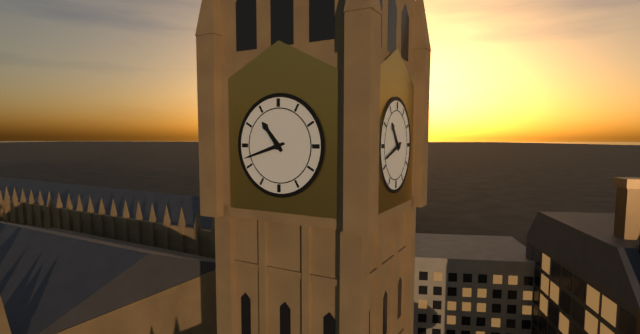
**10:42**
